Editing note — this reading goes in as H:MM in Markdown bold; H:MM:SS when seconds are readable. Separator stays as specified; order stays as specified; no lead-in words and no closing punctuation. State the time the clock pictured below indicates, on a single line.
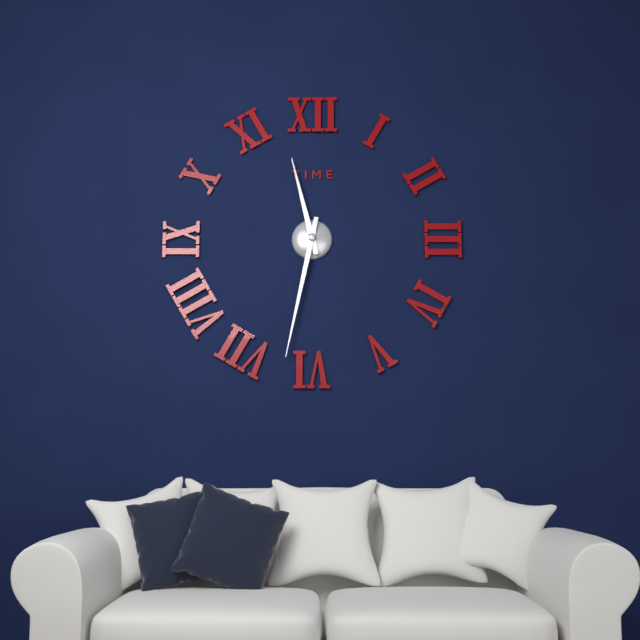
**11:32**
